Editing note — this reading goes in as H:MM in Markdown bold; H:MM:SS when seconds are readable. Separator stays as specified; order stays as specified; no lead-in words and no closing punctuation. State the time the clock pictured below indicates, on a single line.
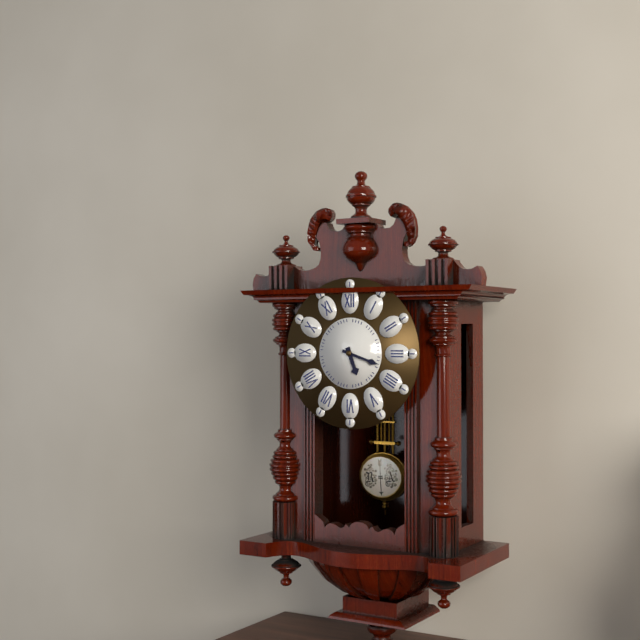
**5:18**
